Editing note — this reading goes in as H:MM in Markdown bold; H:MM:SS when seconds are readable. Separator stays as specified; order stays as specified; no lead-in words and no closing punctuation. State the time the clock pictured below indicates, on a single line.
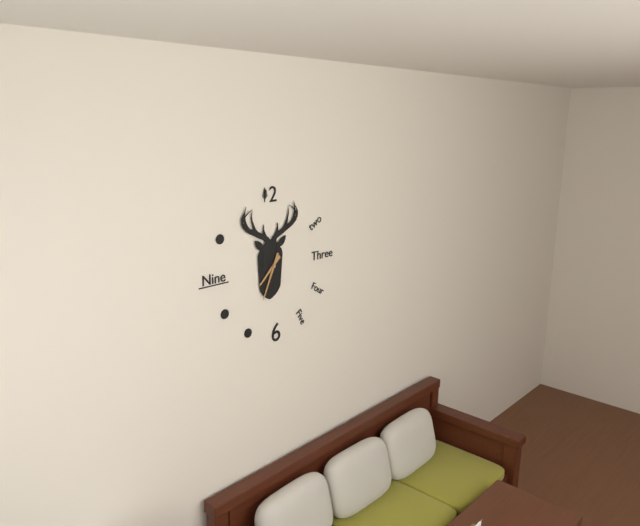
**7:34**
